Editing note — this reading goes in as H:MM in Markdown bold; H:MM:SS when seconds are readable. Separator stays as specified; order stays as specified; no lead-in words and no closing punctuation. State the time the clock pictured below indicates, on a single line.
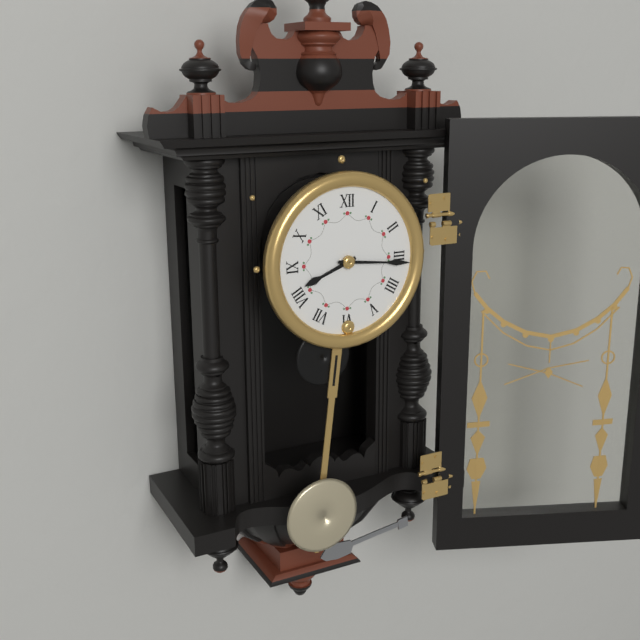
**8:16**
